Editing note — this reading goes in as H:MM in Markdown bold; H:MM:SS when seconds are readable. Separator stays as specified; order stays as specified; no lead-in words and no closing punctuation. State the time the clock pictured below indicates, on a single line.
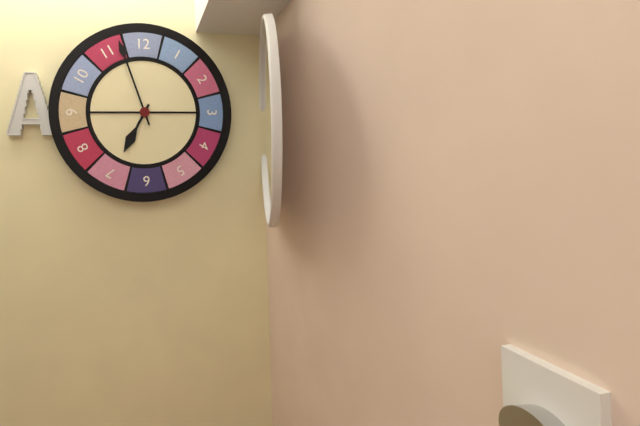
**6:57**
